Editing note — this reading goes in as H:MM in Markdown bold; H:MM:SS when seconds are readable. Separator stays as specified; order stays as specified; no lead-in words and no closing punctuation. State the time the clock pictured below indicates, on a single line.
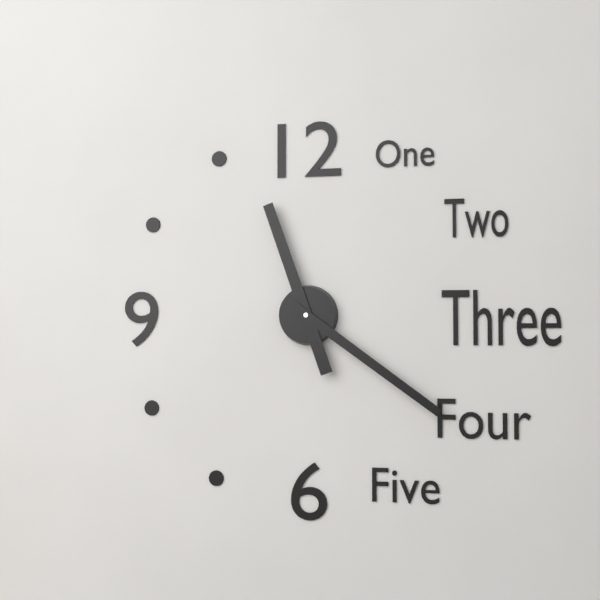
**11:21**
